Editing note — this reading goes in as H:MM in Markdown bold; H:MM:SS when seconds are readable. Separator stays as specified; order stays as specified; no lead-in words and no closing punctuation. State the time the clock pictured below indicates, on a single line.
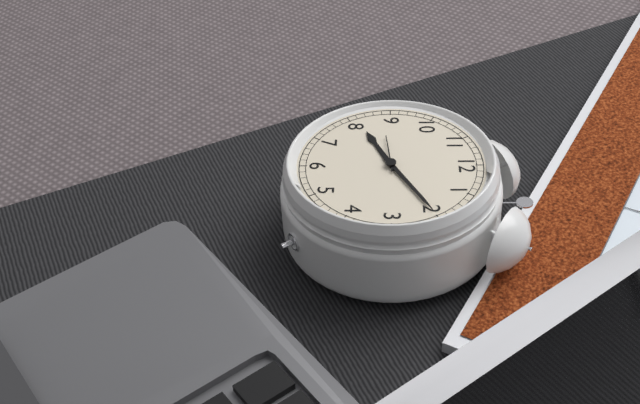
**8:10**
